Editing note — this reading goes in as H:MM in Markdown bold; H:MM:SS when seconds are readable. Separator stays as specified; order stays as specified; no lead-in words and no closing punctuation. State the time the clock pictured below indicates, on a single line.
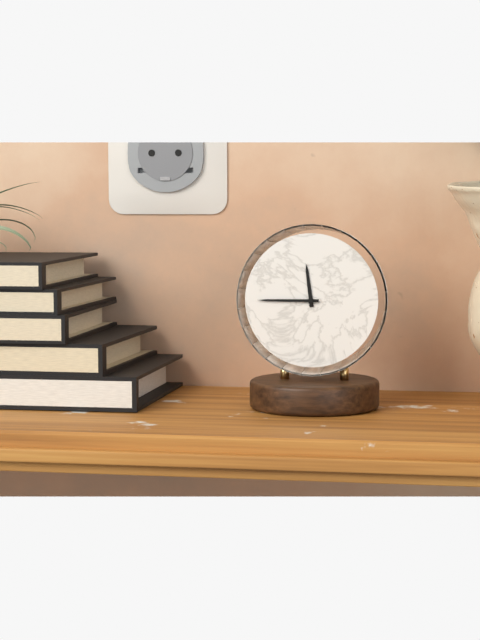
**11:45**
